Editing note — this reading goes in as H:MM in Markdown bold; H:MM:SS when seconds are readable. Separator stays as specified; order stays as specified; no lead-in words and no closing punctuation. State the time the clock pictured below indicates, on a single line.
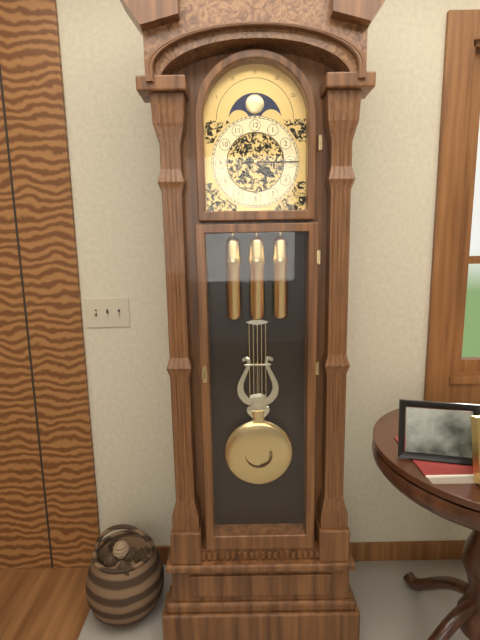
**4:15**
